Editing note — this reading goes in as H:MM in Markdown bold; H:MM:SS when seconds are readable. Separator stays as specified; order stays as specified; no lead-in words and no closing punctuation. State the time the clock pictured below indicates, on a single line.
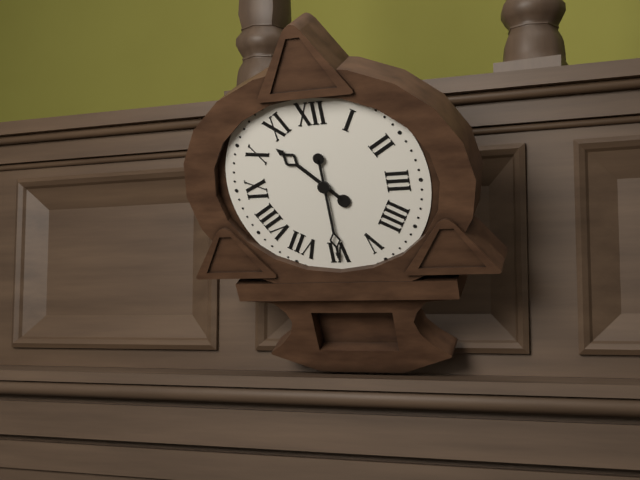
**10:30**
